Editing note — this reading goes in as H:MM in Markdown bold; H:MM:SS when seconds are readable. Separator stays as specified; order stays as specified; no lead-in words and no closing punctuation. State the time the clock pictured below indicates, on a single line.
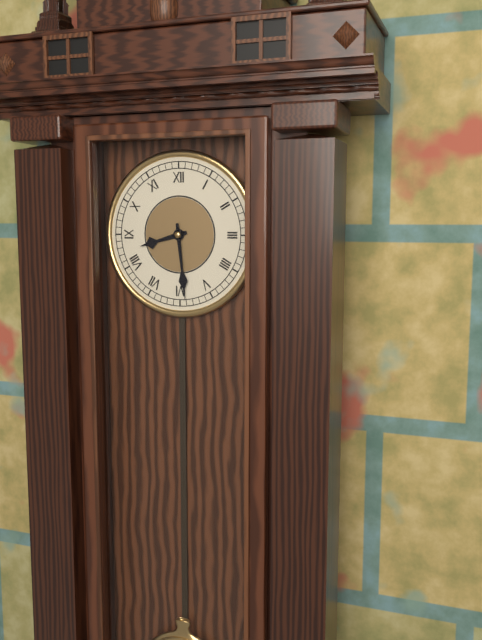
**8:29**
